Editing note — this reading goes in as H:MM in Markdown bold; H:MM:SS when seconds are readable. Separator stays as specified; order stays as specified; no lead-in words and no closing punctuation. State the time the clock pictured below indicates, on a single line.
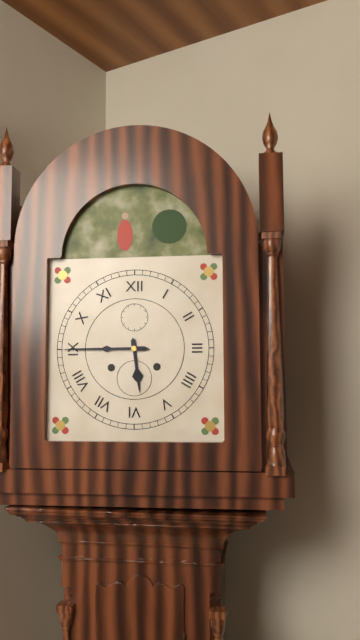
**5:45**
